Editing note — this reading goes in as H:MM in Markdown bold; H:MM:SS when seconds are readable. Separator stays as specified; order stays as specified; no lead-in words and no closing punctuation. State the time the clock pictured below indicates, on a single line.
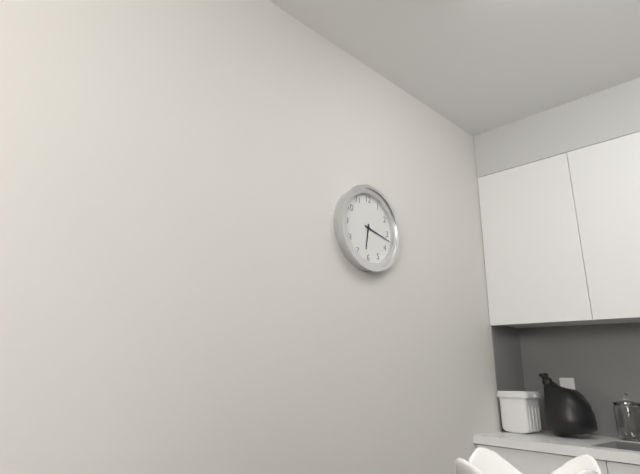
**6:17**
